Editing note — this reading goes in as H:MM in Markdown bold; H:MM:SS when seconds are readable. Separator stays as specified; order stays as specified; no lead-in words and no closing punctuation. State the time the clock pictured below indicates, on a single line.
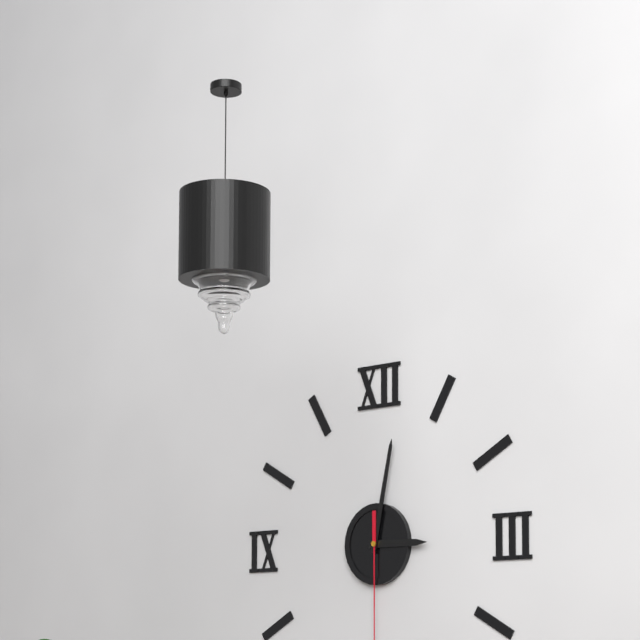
**3:02**
